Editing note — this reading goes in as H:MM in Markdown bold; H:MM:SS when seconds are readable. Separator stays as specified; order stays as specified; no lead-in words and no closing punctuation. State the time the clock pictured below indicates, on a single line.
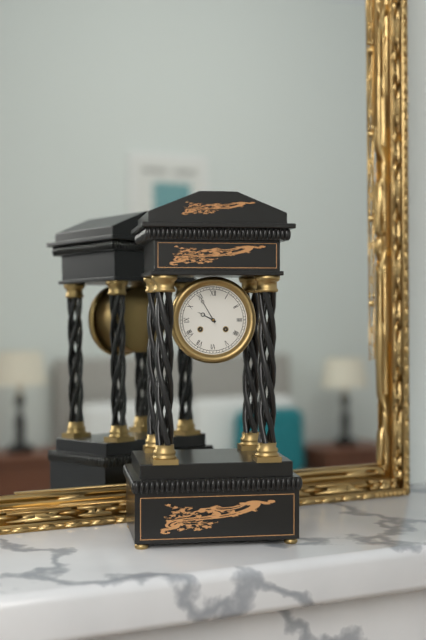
**9:55**
